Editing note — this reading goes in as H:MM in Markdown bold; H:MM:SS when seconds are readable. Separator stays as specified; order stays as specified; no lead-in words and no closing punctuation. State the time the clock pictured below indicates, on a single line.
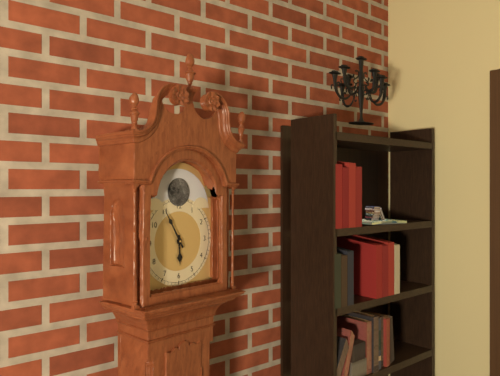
**5:55**
